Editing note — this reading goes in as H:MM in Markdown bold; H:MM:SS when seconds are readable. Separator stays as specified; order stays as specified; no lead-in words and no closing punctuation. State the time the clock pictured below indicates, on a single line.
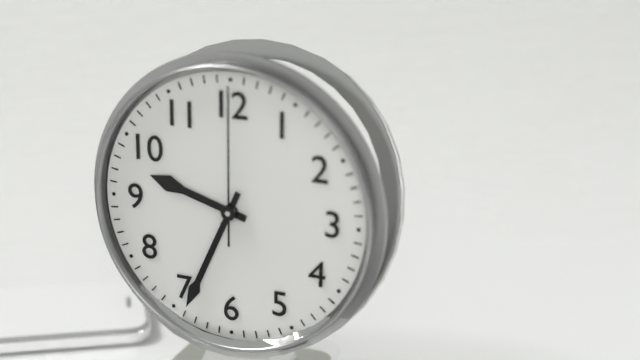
**9:34:00**
